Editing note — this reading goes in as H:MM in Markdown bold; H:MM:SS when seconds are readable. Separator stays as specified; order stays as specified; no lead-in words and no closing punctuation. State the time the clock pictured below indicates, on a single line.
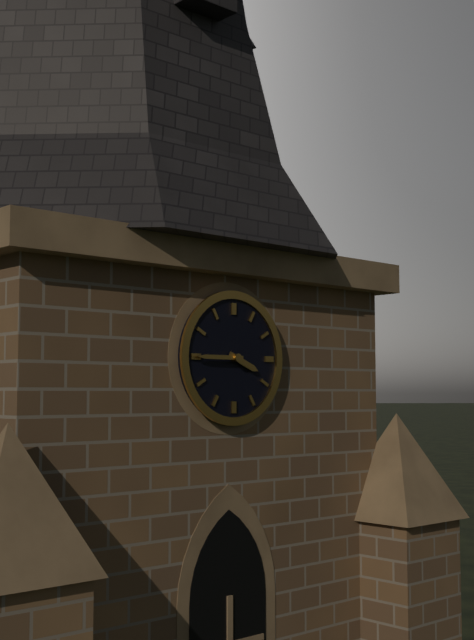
**3:45**
